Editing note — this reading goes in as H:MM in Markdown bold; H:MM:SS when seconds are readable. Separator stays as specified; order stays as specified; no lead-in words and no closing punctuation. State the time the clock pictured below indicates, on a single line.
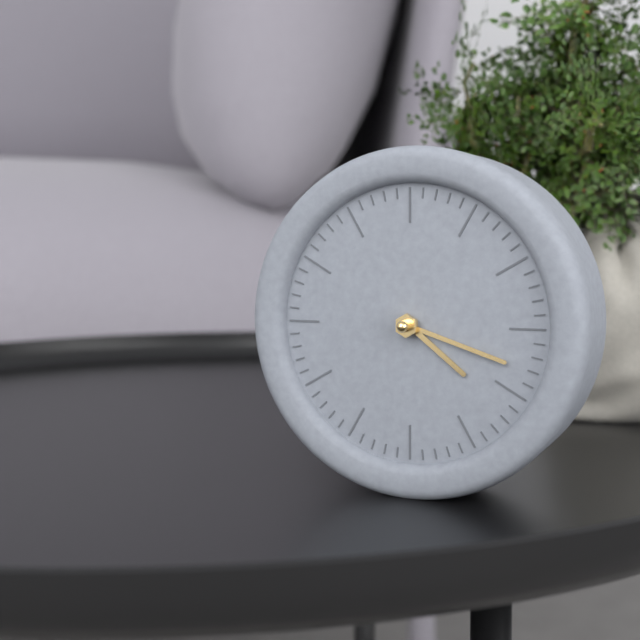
**4:18**
